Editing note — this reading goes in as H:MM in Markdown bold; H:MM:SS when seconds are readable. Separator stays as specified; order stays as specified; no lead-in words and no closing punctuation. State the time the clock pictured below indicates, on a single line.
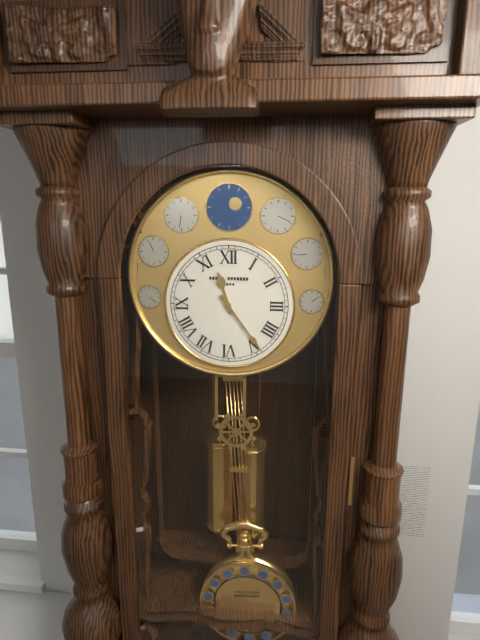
**11:24**
